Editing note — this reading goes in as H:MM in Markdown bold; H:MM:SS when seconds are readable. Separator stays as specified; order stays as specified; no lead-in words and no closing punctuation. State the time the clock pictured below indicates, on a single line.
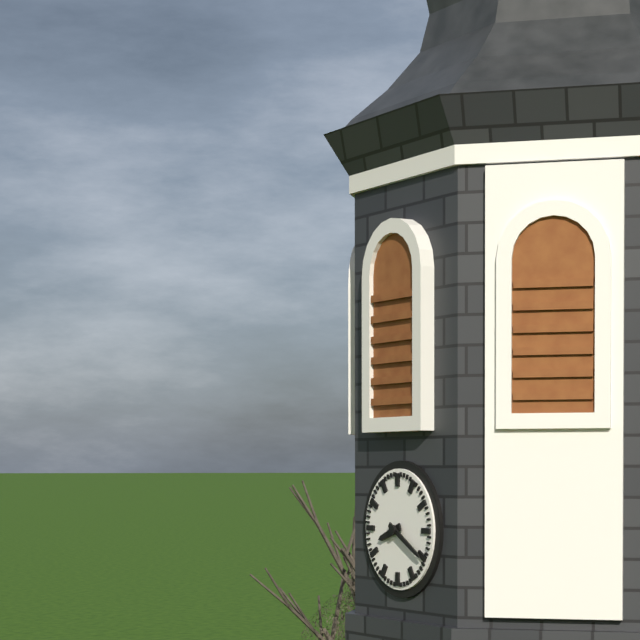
**8:20**
